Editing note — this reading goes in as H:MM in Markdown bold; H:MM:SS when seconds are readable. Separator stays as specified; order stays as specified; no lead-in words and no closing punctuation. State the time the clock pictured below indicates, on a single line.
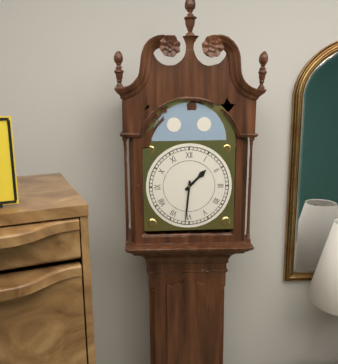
**1:31**
